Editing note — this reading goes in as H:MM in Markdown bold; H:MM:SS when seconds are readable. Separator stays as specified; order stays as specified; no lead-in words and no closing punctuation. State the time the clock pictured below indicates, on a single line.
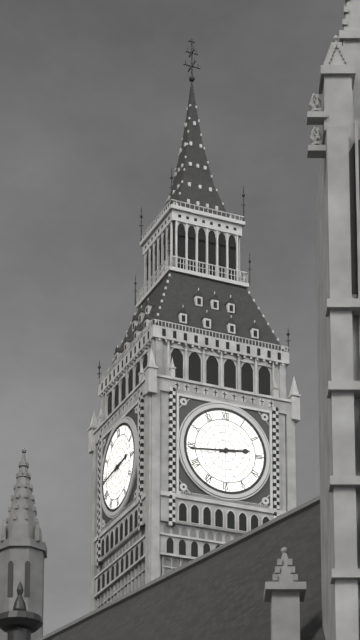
**2:44**
